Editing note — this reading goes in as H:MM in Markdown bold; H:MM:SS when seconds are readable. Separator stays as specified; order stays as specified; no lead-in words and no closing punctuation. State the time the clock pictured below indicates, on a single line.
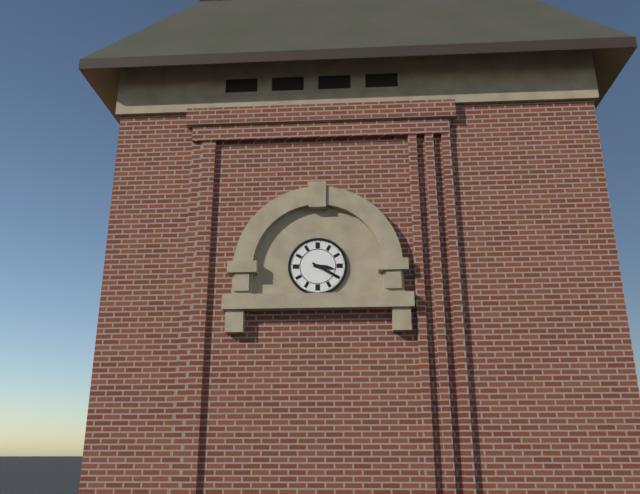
**3:20**
